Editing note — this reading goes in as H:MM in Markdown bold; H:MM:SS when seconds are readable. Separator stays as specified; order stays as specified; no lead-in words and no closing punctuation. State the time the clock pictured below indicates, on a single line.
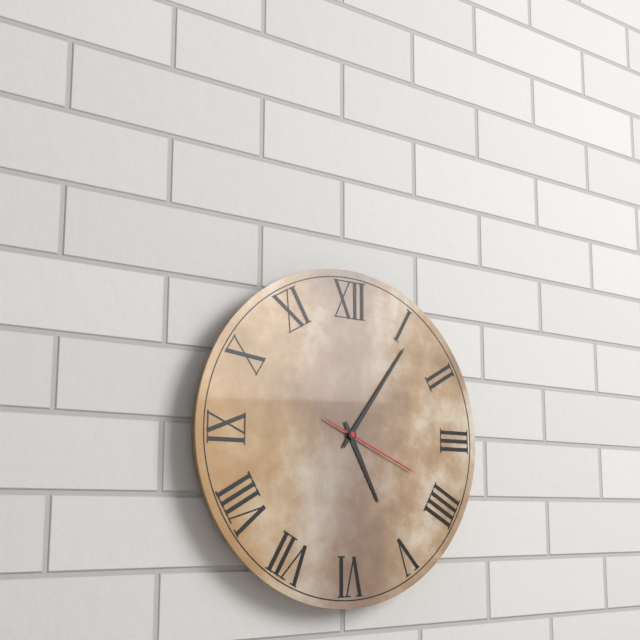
**5:06:19**
